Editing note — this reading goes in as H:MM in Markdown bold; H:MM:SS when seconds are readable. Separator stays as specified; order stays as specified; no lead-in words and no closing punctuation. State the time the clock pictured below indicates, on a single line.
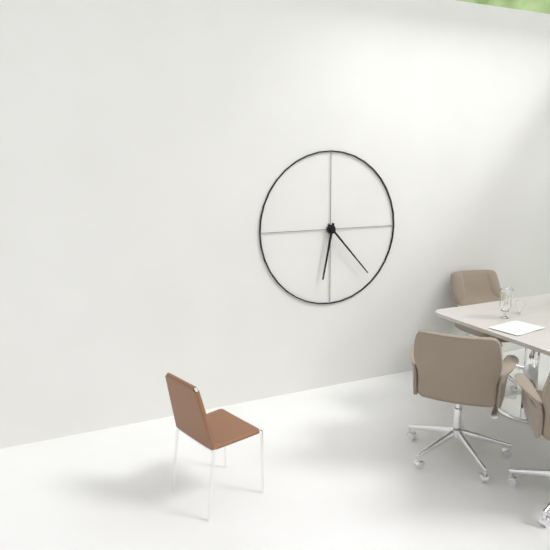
**6:23**
